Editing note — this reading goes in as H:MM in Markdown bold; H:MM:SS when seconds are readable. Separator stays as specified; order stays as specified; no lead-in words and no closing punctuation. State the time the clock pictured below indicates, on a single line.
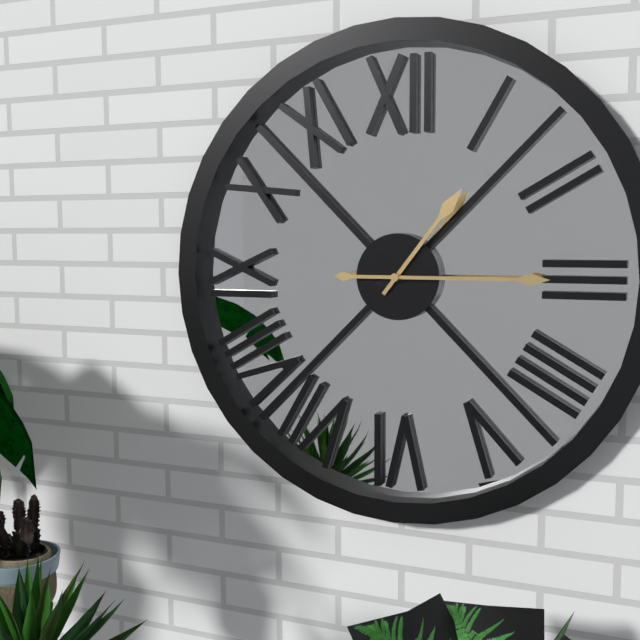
**1:15**
